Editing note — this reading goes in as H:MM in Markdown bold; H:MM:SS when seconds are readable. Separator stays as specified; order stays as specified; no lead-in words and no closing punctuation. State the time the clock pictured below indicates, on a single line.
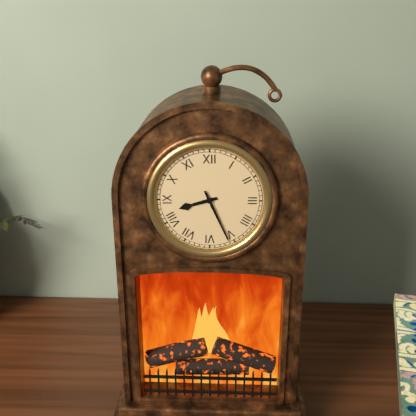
**8:26**
